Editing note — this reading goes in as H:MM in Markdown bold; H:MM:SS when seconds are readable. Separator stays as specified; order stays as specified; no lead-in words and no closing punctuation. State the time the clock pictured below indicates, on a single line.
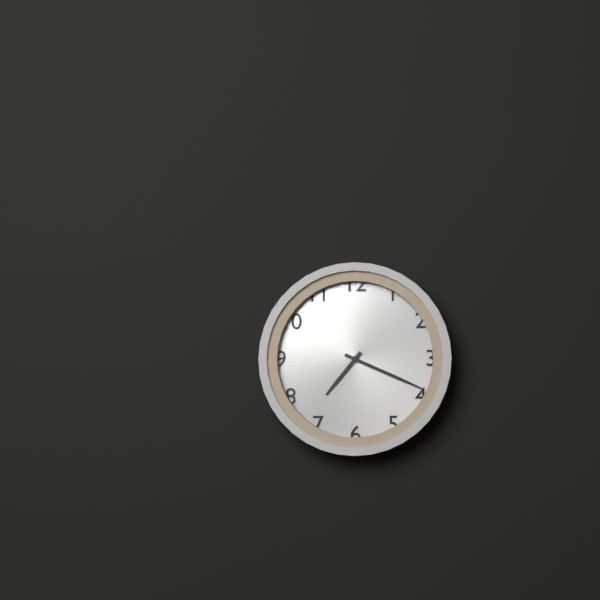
**7:19**
